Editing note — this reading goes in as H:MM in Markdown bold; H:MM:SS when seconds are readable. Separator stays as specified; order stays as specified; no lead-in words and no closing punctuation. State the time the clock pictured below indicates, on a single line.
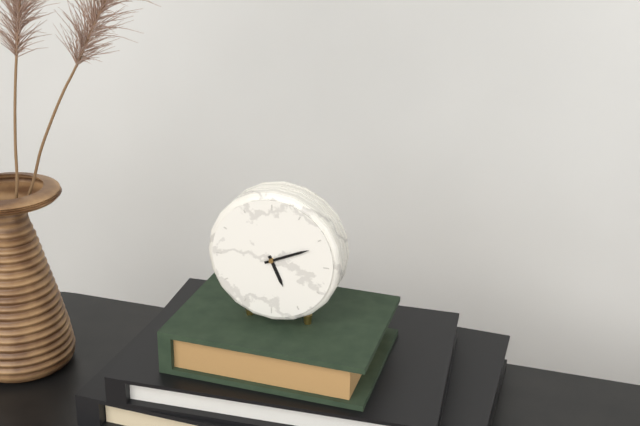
**5:11**
